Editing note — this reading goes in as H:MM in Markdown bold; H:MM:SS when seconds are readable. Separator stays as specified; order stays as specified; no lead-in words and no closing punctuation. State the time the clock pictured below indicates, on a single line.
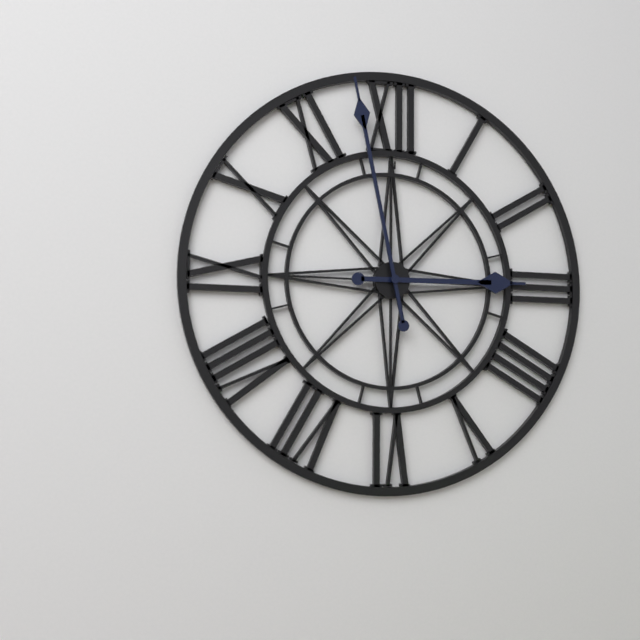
**2:58**
